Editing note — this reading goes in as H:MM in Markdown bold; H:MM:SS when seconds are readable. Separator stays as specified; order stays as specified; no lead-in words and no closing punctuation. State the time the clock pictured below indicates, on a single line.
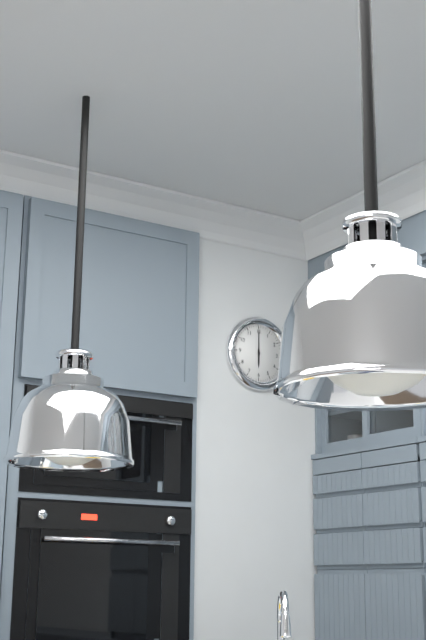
**6:00**
